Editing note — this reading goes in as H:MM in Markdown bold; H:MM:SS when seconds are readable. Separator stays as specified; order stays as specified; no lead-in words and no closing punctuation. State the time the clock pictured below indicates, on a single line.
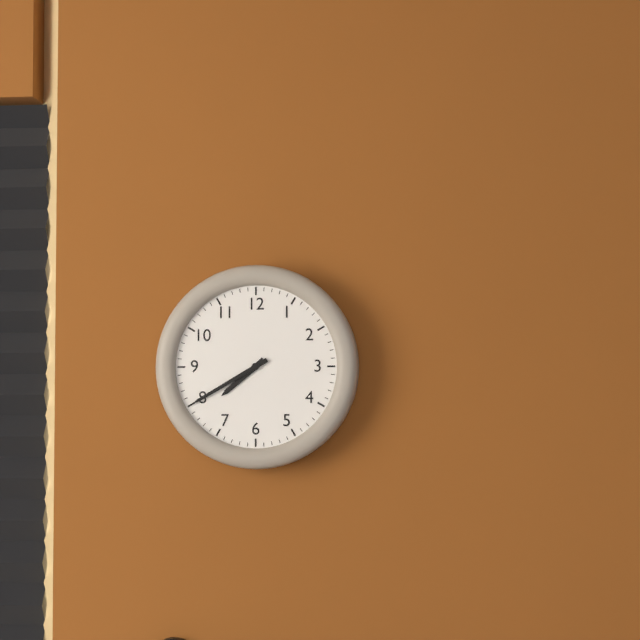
**7:40**
